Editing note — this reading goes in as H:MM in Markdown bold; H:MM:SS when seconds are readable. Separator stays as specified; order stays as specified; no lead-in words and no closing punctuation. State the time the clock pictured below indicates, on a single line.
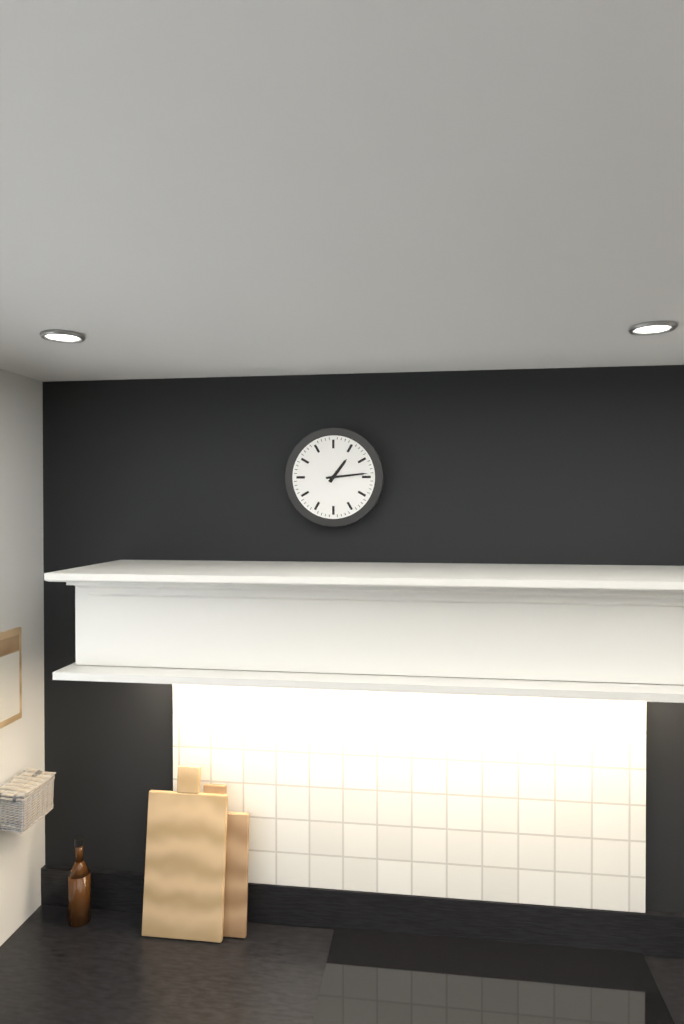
**1:14**
